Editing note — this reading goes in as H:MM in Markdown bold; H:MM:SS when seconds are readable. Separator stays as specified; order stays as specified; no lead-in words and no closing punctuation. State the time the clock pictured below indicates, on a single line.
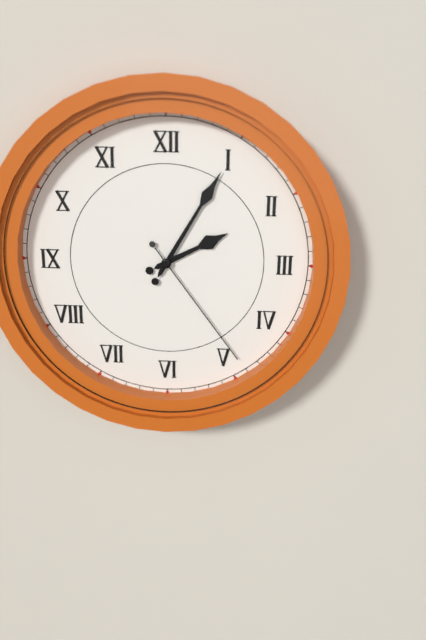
**2:05:24**
